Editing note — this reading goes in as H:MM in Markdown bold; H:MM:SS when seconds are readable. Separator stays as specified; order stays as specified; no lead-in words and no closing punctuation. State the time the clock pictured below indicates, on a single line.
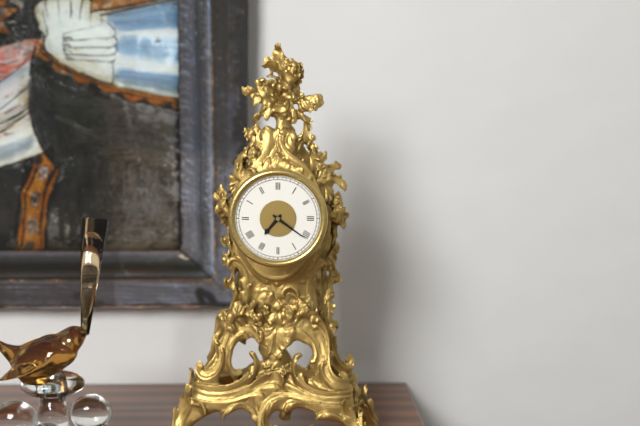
**7:21**
